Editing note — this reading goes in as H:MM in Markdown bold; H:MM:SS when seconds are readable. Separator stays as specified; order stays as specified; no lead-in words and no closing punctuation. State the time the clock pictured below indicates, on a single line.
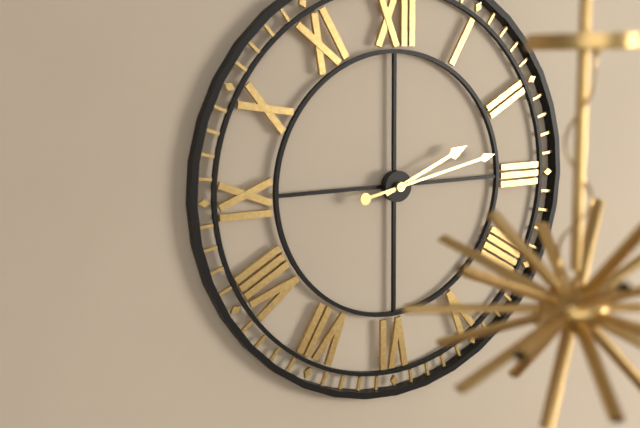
**2:13**
